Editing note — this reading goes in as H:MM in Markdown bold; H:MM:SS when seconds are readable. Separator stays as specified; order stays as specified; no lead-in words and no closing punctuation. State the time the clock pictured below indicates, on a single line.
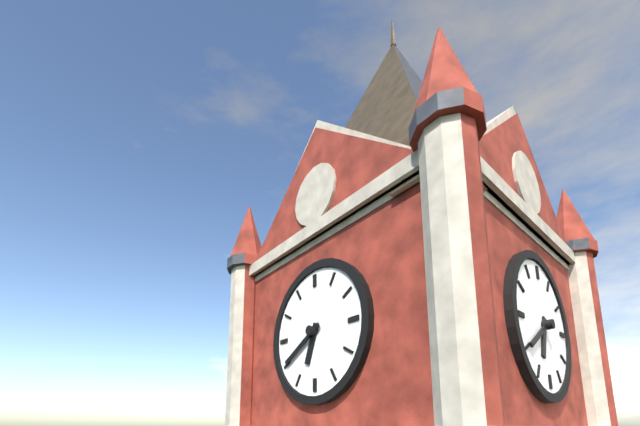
**6:40**
